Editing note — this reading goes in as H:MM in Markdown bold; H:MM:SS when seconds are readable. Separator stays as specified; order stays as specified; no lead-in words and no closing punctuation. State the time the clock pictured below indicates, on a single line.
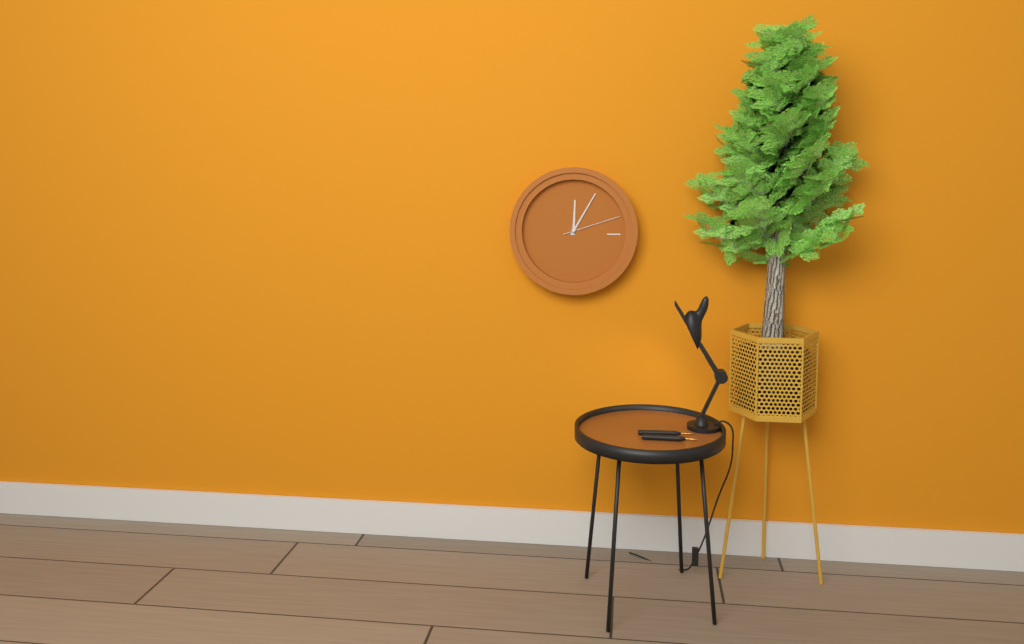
**12:05:12**
